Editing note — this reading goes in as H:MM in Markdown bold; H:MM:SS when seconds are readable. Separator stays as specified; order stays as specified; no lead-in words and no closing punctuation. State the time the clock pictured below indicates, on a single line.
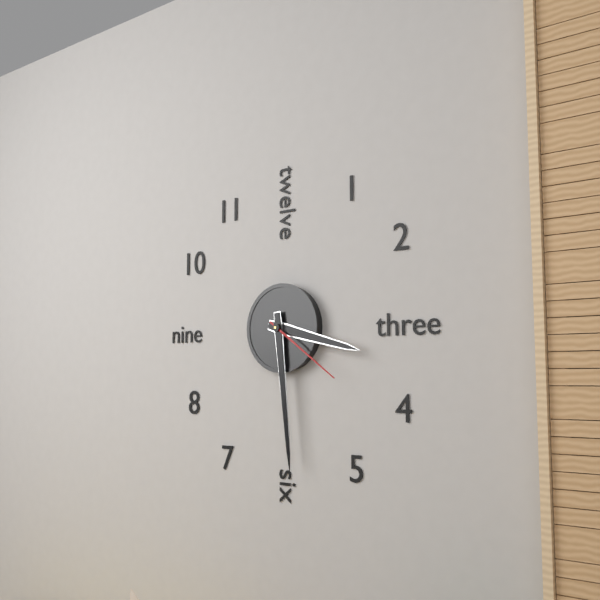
**3:29:21**
